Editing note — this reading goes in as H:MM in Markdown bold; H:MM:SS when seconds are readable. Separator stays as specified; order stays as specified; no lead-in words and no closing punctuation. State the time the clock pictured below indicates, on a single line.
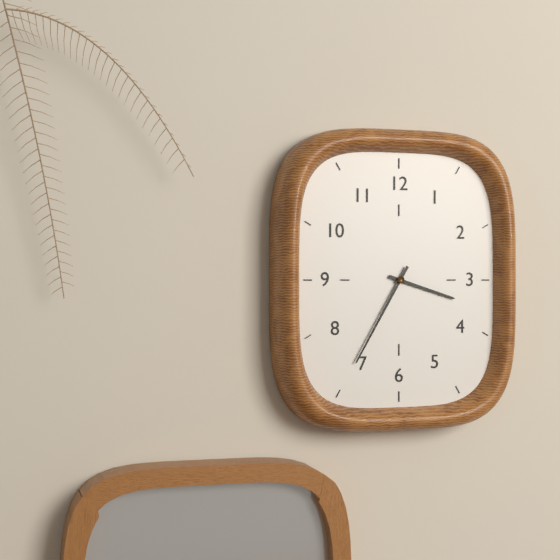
**3:35**
